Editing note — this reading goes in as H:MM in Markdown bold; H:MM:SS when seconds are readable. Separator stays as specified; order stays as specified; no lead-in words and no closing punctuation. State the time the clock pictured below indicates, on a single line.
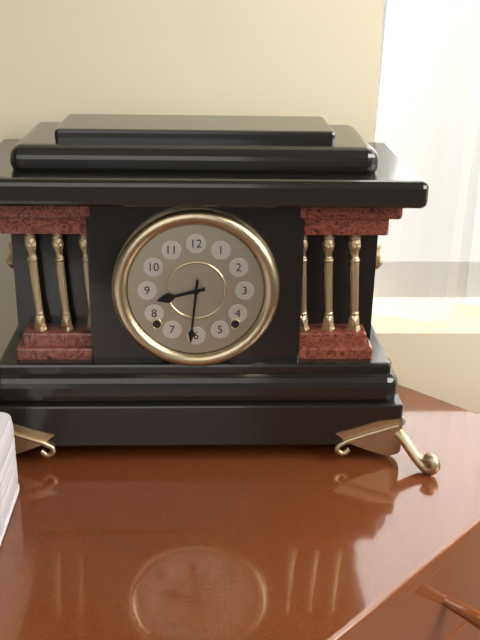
**8:31**
